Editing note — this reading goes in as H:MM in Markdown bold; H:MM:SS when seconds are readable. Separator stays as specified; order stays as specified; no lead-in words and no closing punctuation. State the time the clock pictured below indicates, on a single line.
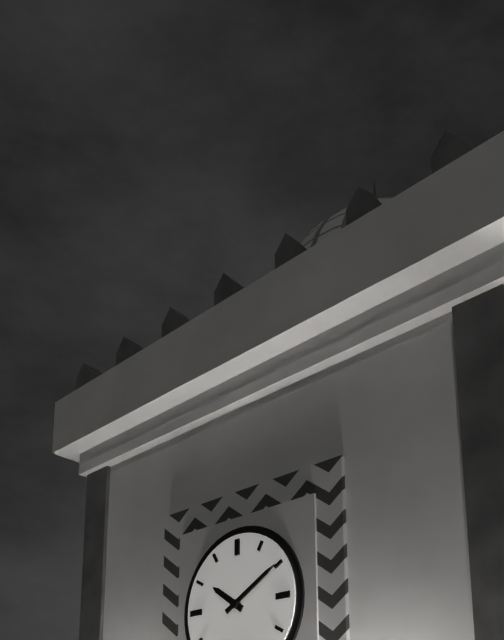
**10:10**
